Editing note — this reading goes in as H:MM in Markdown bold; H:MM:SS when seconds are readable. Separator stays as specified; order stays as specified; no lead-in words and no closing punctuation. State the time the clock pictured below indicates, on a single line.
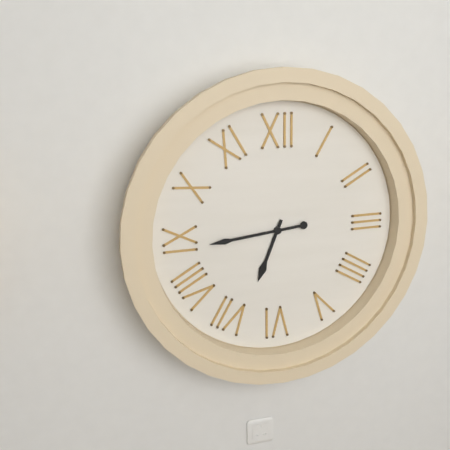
**6:44**
